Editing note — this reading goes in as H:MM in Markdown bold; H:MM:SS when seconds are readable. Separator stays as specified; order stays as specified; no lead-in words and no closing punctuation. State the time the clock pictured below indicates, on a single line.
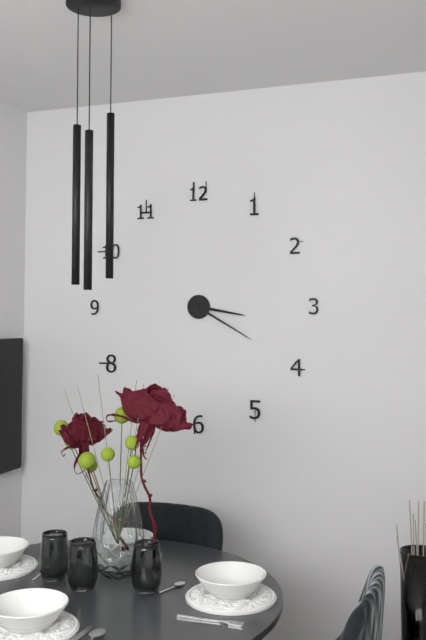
**3:20**
